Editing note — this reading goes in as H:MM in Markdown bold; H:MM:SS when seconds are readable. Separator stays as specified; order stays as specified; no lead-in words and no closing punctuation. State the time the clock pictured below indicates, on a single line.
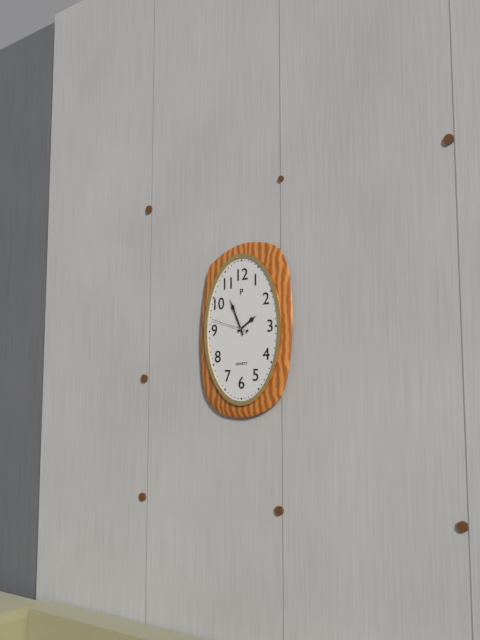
**1:56**
